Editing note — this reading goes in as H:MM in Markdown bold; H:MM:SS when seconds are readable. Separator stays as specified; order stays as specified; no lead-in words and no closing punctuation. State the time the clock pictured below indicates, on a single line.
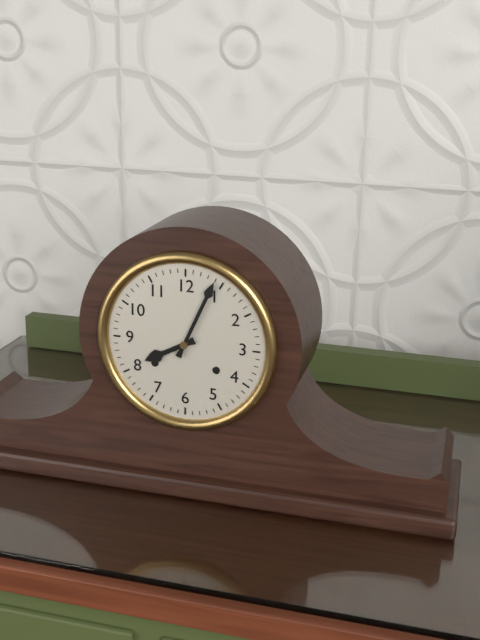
**8:04**
